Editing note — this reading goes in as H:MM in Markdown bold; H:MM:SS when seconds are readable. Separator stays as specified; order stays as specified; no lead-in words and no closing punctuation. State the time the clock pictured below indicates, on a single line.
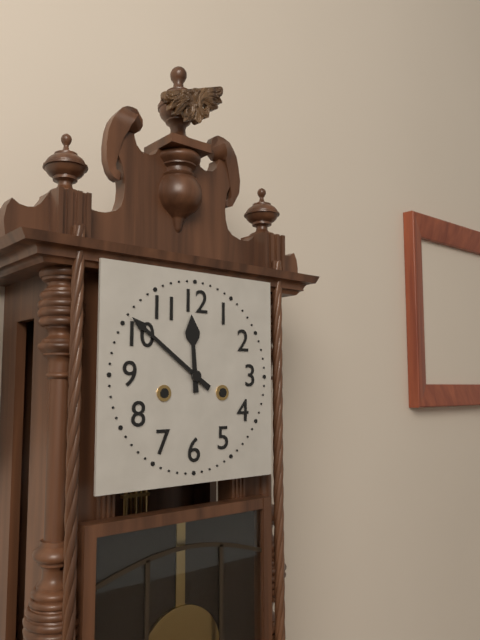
**11:51**
